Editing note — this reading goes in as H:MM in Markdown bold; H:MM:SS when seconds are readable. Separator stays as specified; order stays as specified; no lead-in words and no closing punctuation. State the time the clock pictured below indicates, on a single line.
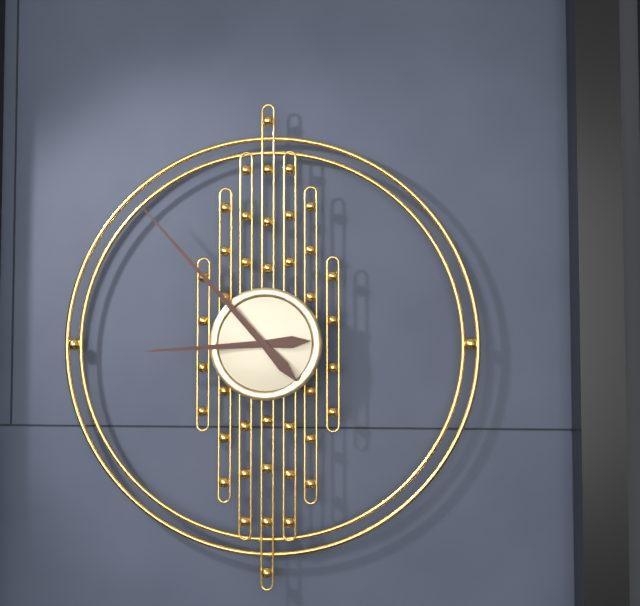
**8:53**
